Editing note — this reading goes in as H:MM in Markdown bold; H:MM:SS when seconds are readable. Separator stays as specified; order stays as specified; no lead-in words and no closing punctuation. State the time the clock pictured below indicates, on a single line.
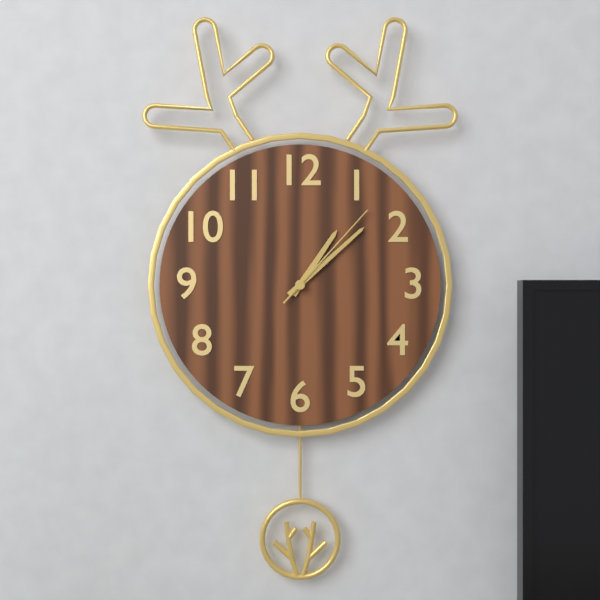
**1:08:07**
